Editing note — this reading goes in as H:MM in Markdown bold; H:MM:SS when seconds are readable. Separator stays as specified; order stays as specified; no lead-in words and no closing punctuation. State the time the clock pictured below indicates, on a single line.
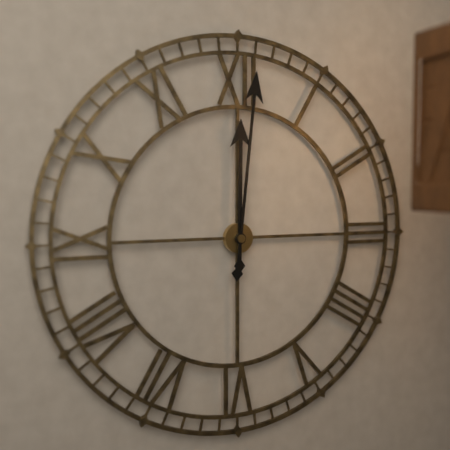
**12:01**
